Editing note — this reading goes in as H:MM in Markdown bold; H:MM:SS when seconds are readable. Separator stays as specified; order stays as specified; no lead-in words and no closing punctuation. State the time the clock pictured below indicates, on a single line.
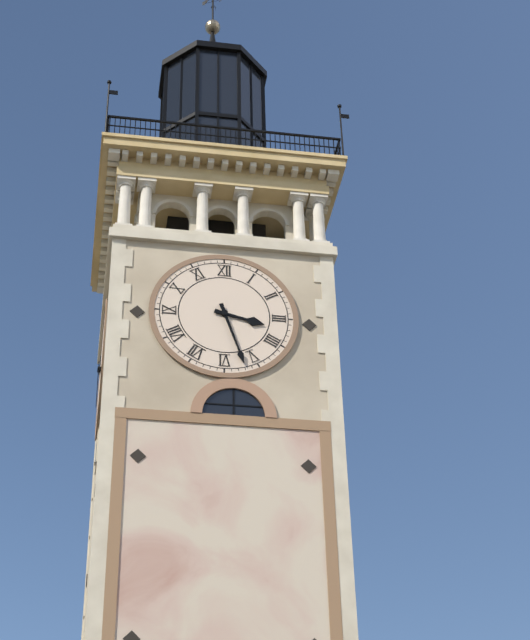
**3:27**
